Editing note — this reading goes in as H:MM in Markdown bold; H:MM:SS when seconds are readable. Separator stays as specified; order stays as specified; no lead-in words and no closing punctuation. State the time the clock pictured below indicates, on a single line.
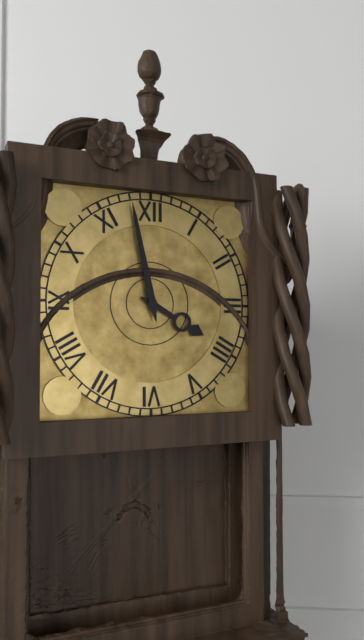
**3:58**
